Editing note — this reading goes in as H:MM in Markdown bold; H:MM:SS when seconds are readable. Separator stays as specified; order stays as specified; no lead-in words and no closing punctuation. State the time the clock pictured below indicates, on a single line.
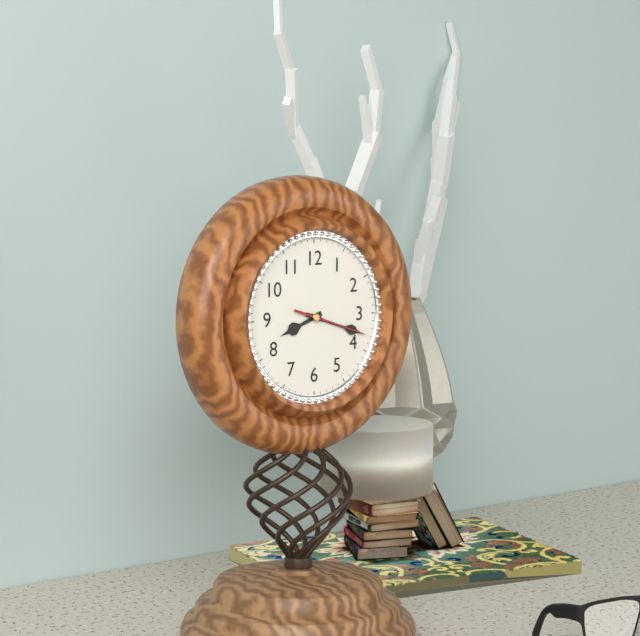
**8:18:18**
